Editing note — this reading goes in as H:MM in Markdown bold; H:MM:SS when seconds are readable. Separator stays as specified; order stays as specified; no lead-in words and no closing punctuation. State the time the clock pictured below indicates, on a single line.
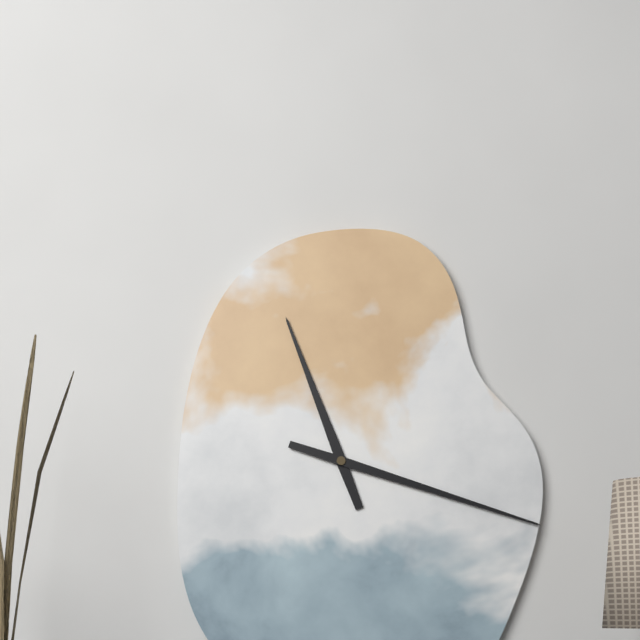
**11:18**
